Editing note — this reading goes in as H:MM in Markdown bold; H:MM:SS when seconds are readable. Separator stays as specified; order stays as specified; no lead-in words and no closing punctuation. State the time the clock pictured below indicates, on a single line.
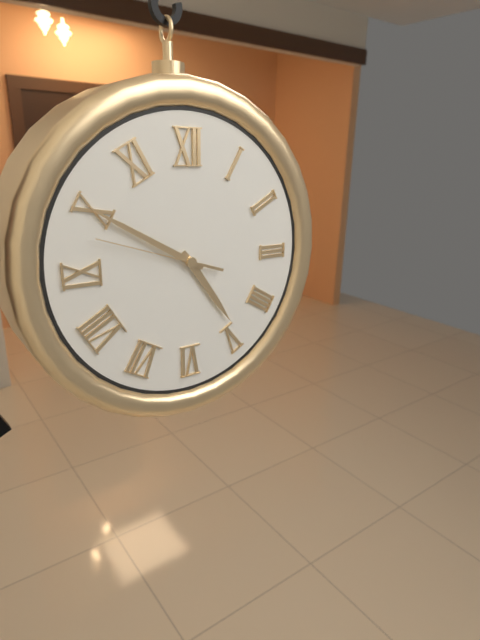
**4:50:48**
